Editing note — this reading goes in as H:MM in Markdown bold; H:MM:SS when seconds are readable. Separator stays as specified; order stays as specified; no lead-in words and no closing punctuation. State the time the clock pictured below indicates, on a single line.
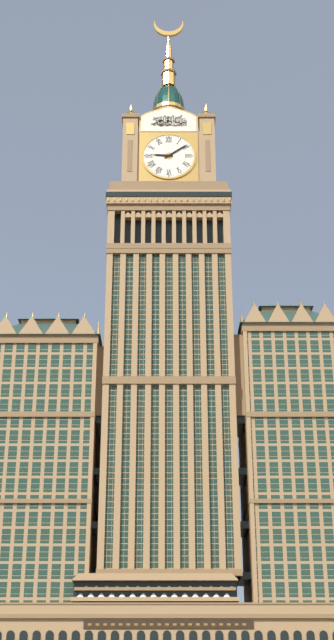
**9:09**
